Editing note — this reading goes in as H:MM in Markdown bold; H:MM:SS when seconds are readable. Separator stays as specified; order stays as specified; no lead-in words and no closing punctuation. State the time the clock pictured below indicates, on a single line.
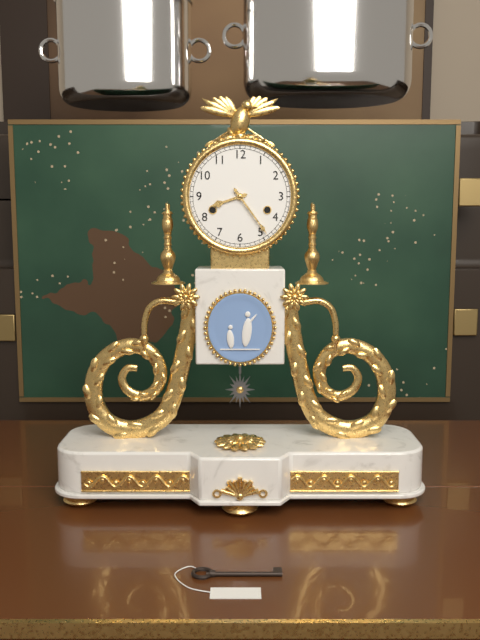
**8:24**
